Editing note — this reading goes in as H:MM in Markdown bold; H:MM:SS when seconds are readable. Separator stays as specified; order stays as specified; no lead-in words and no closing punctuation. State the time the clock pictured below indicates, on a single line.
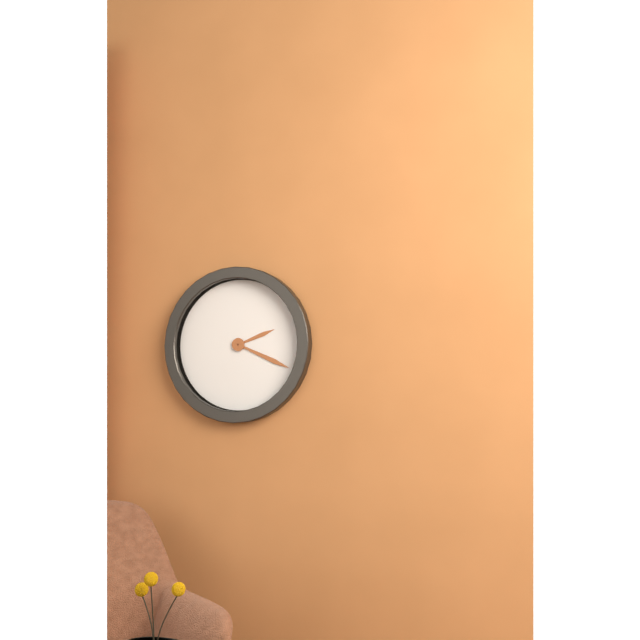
**2:19**
